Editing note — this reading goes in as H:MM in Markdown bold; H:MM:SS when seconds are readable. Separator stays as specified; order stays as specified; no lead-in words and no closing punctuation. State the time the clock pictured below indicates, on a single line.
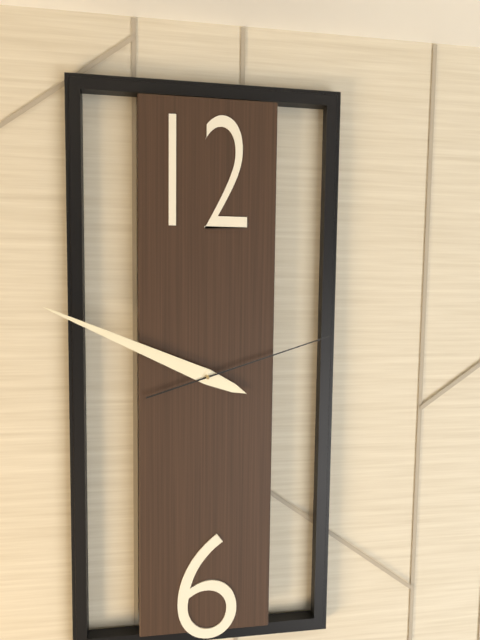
**9:49:12**
